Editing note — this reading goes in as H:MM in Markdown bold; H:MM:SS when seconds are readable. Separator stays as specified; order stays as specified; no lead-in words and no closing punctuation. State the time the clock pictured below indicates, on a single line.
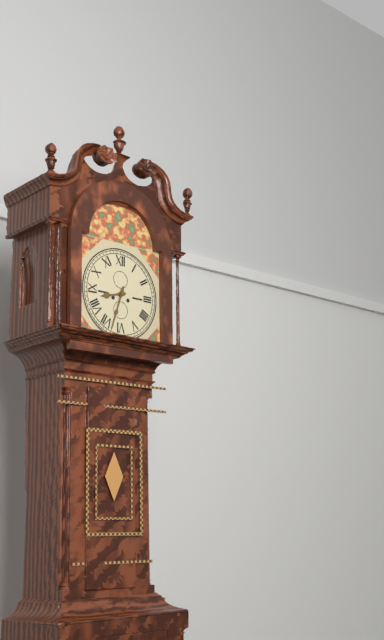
**8:33**
